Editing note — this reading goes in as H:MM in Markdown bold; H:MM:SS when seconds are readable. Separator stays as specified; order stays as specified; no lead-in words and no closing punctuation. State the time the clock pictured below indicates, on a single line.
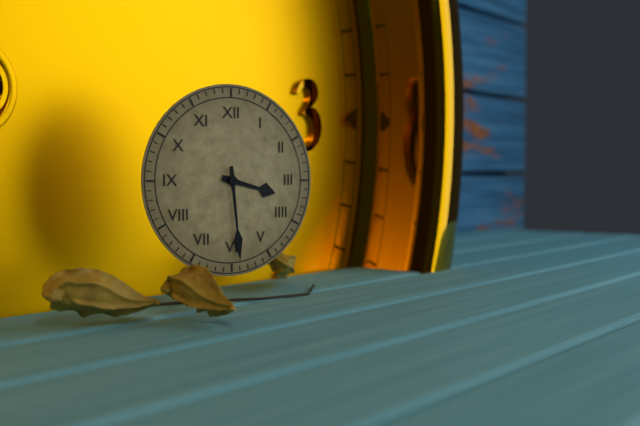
**3:29**
